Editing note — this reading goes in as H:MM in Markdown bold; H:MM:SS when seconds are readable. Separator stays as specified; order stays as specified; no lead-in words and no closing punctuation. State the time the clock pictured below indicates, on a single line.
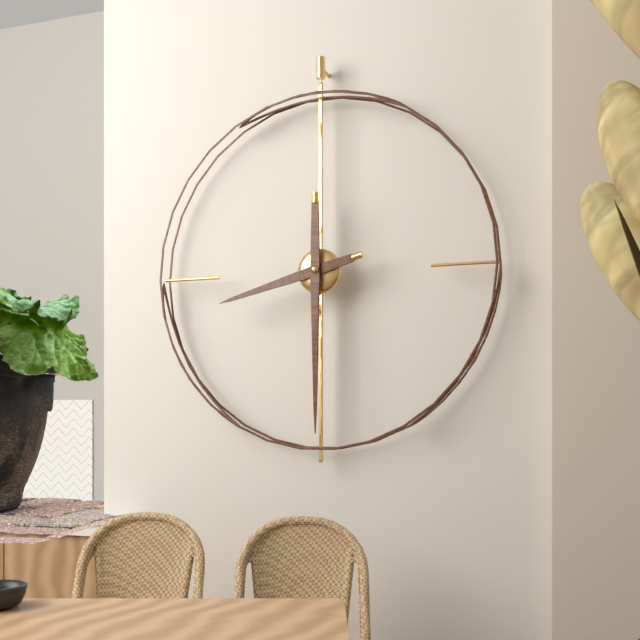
**8:30**
